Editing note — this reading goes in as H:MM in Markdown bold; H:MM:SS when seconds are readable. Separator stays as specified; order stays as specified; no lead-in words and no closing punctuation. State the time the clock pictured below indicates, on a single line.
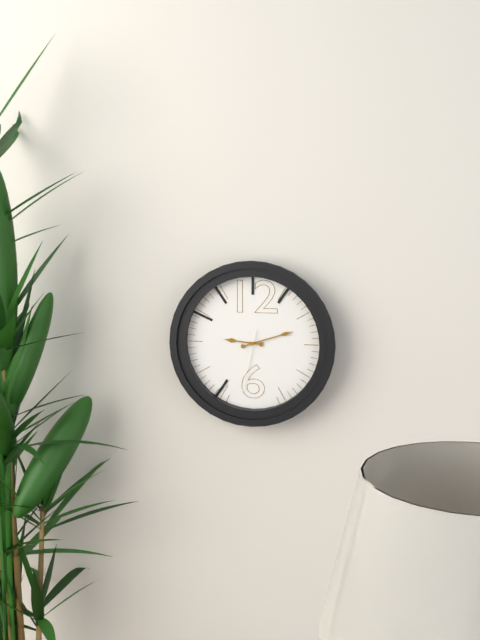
**9:12:32**
